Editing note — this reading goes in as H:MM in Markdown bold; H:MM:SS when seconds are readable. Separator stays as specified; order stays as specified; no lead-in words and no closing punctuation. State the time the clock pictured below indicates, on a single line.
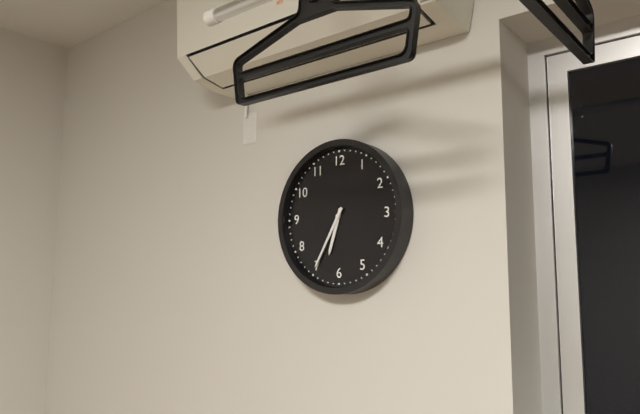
**6:35**
